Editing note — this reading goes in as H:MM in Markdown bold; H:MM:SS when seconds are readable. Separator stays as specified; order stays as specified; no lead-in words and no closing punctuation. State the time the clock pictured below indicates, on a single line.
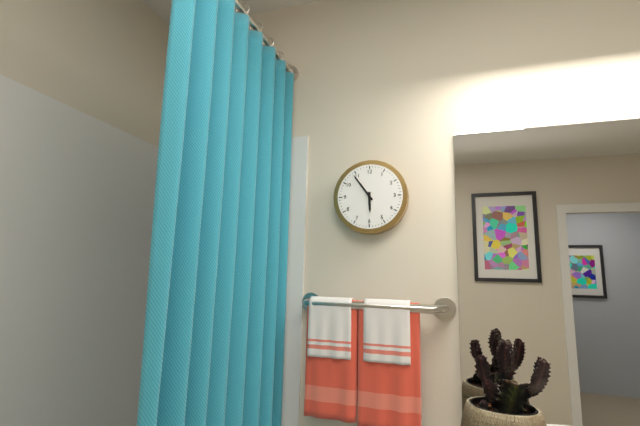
**5:54**
